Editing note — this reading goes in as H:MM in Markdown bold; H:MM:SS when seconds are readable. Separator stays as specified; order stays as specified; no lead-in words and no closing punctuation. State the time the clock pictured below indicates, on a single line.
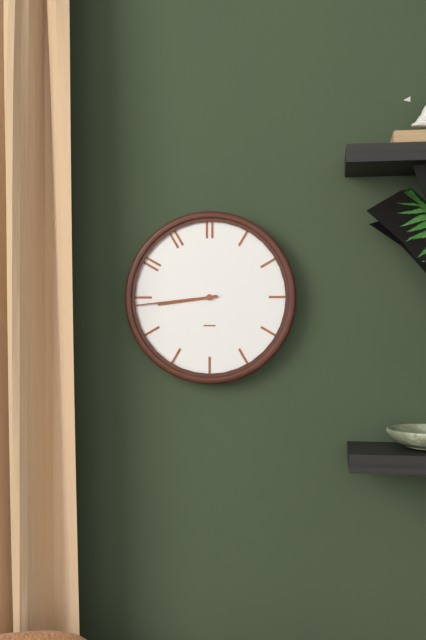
**8:44**
